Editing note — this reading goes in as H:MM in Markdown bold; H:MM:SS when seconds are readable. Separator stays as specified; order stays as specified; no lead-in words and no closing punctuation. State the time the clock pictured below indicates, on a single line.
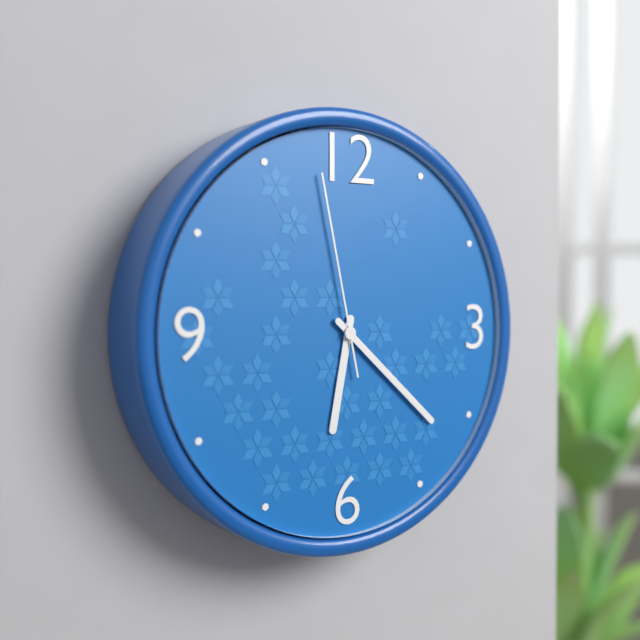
**6:22:58**
